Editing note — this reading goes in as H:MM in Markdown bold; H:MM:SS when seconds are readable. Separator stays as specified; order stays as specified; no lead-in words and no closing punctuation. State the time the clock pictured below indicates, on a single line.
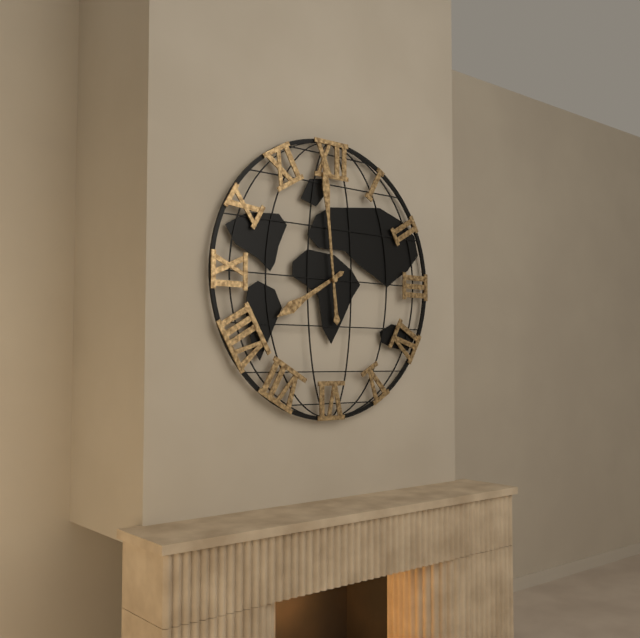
**7:59**
